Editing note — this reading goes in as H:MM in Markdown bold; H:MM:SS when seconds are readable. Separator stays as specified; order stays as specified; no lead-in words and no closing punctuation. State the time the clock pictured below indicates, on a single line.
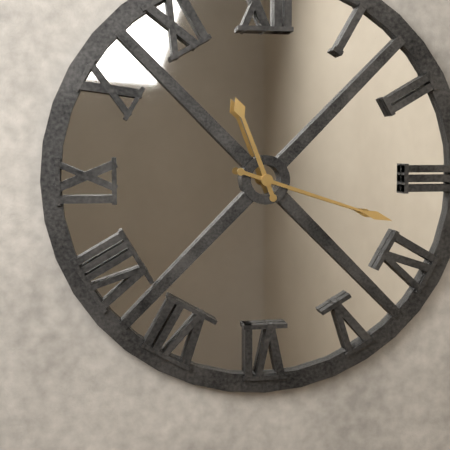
**11:18**
